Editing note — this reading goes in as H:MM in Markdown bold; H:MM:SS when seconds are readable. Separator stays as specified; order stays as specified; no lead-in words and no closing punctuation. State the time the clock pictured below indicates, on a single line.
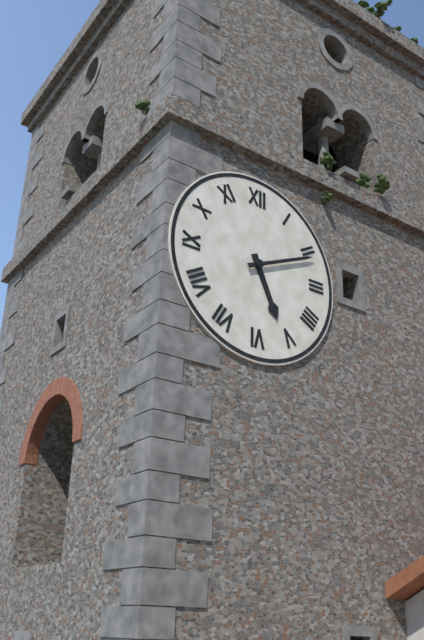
**5:11**
